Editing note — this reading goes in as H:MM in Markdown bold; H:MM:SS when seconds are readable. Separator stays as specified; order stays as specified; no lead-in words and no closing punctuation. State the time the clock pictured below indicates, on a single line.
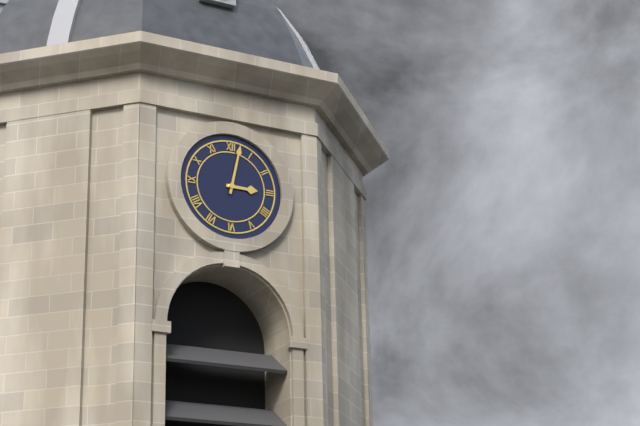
**3:02**
